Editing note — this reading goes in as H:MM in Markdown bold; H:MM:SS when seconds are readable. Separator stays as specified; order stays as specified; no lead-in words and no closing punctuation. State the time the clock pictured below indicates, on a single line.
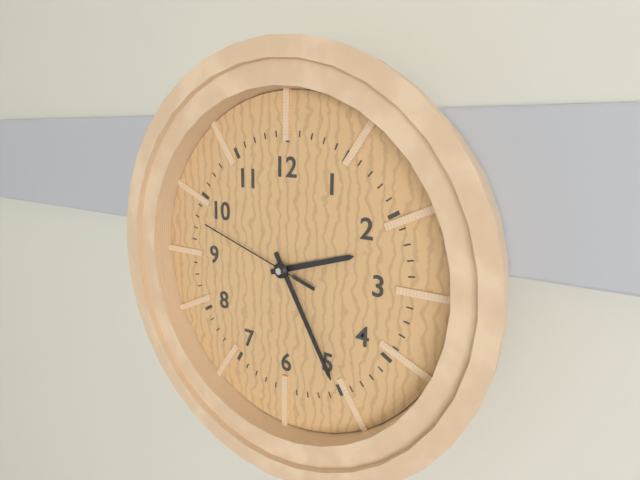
**2:25:48**
